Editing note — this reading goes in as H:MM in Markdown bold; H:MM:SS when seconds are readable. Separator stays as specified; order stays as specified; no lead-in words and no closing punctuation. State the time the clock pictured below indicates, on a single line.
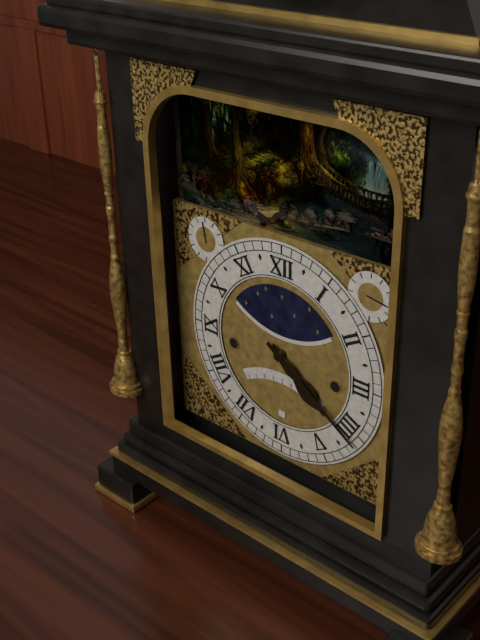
**4:21**
